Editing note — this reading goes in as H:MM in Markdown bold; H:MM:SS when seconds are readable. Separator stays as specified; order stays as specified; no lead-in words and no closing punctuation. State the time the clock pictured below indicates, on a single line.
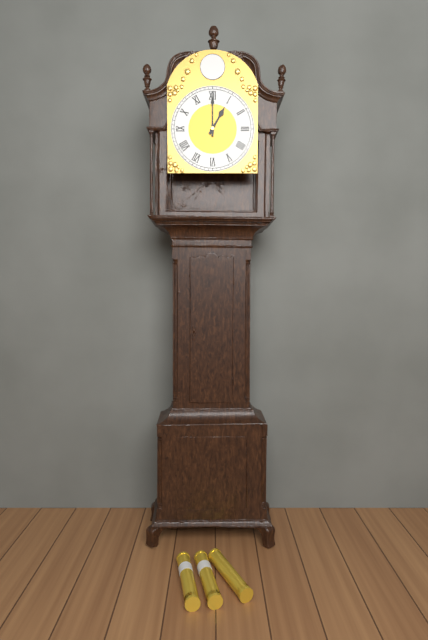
**1:00**
